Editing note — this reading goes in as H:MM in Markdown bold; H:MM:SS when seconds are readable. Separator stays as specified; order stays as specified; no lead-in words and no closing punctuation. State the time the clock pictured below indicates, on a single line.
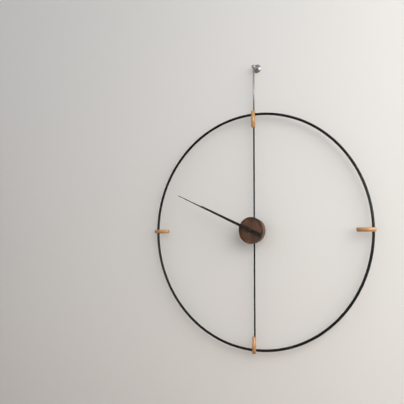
**9:49**
